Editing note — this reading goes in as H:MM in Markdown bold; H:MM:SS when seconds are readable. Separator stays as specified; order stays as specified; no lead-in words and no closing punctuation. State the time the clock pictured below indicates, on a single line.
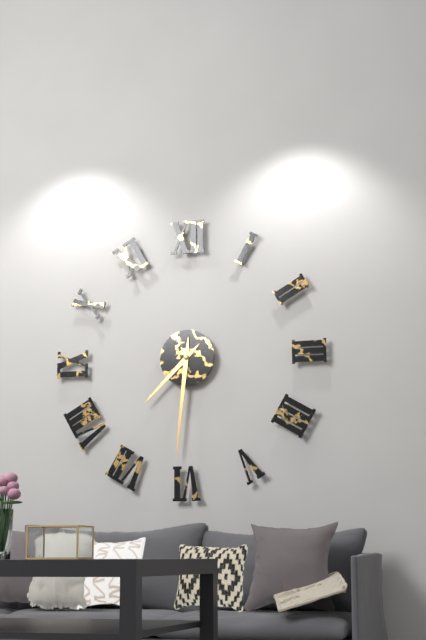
**7:31**
